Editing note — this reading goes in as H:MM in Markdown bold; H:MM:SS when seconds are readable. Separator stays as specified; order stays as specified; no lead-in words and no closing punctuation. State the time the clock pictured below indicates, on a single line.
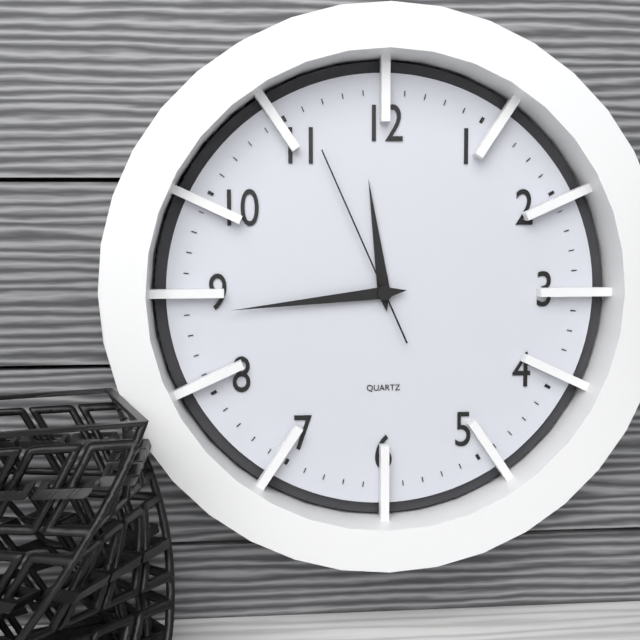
**11:44:56**
